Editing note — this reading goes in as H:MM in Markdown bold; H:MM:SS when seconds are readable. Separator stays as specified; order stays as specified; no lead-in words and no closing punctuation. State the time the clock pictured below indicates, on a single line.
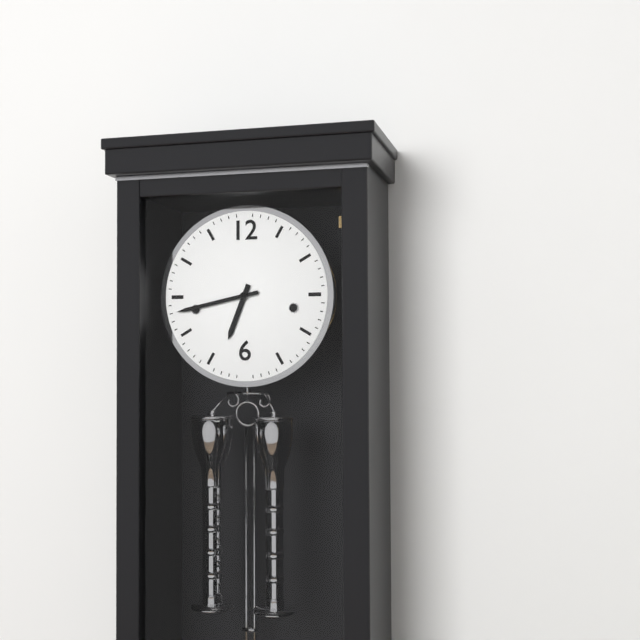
**6:43**
